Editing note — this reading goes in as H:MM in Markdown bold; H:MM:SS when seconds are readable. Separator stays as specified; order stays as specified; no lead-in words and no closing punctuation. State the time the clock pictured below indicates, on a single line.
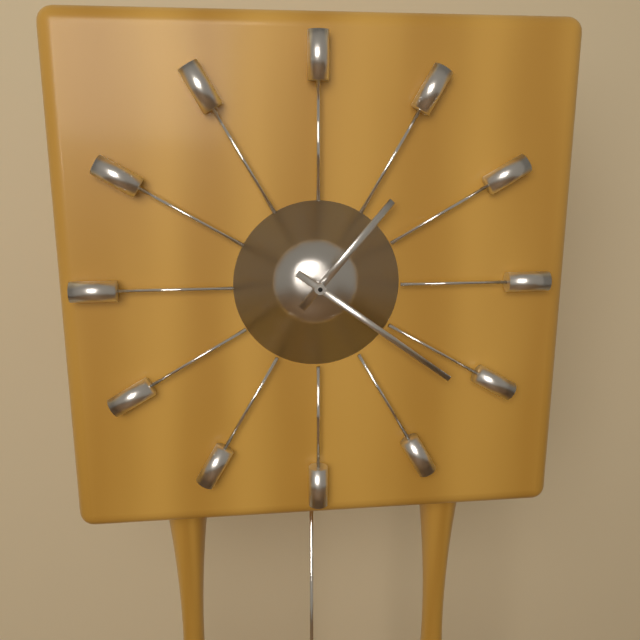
**1:21**
